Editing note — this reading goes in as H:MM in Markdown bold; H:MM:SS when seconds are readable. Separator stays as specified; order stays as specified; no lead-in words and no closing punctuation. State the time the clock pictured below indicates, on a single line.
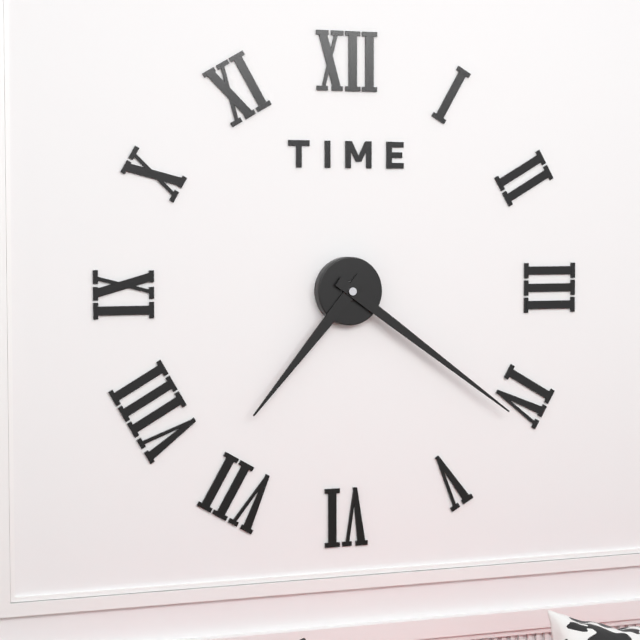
**7:21**
